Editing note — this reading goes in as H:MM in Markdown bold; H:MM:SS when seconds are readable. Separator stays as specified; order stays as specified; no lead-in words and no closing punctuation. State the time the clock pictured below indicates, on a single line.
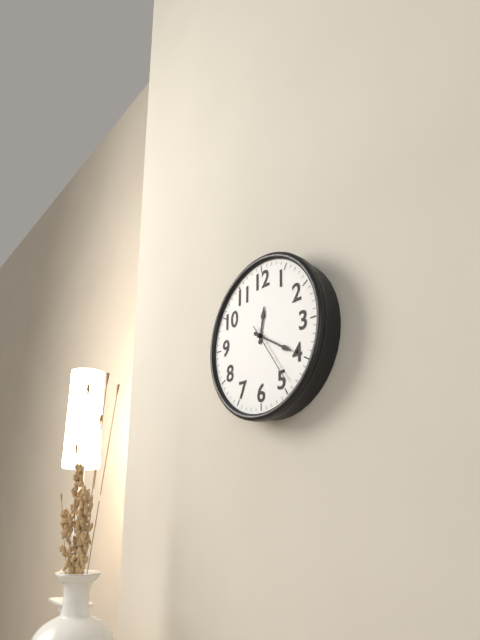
**12:20:24**
